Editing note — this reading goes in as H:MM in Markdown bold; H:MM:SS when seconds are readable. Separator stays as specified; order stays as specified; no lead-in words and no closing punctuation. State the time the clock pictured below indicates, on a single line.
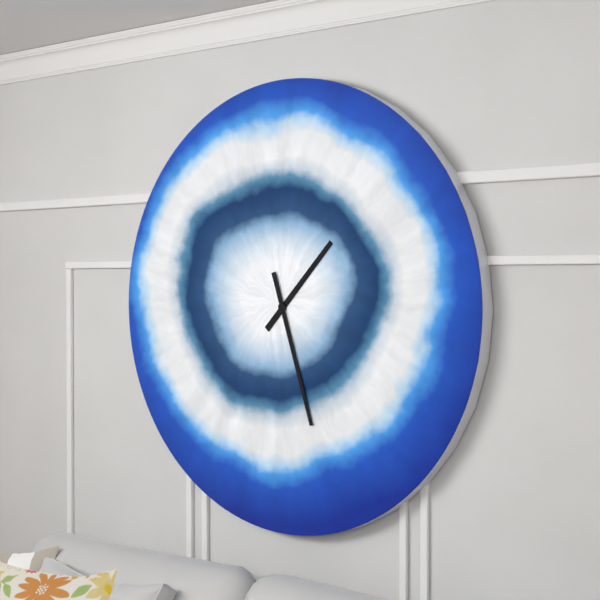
**1:27**
